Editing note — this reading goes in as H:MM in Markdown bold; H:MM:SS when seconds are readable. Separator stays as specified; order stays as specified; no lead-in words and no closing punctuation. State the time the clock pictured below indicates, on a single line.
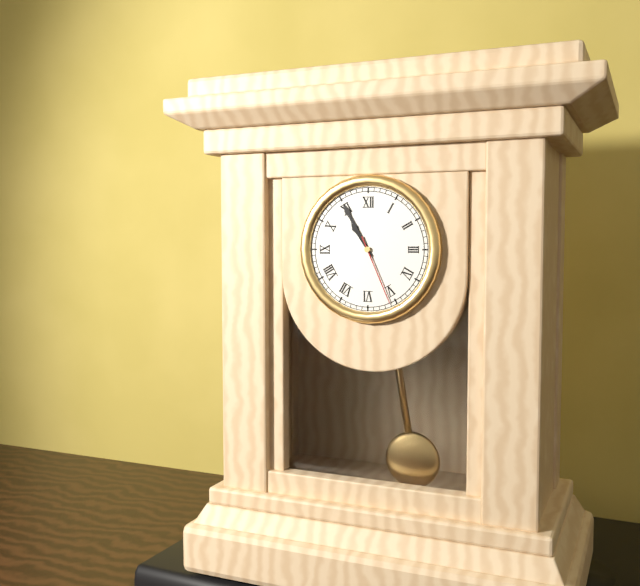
**10:55:26**
